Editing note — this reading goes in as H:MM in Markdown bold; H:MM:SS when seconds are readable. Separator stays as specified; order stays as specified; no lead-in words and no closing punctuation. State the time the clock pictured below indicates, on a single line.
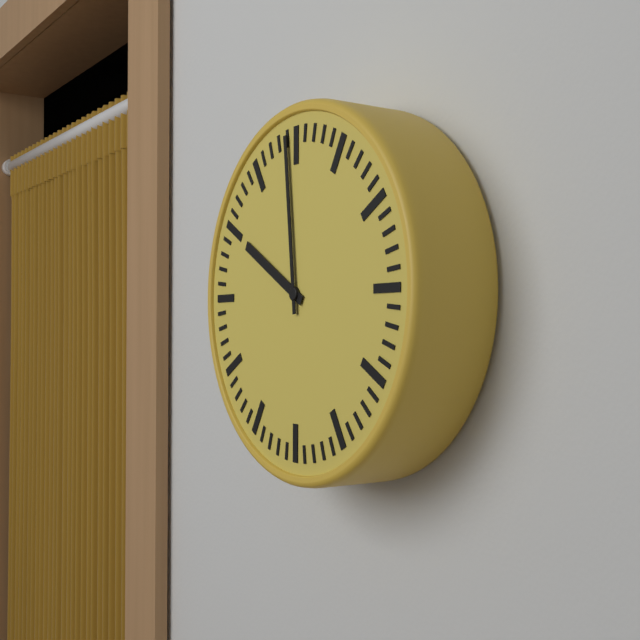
**9:59**
